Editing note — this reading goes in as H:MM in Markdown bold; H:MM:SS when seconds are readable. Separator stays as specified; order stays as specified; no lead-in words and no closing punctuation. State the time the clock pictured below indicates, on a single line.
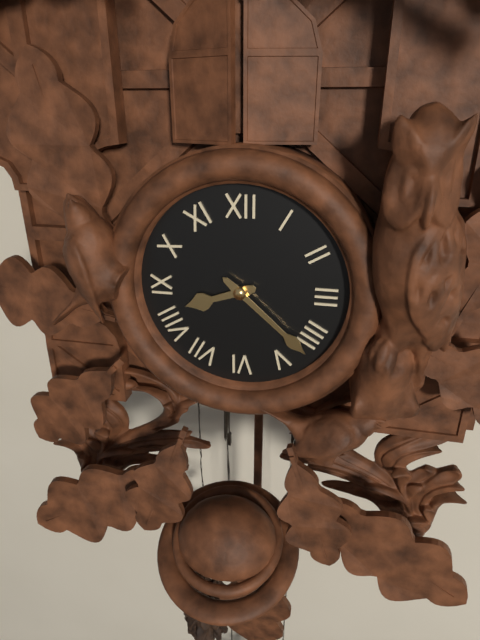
**8:22**
